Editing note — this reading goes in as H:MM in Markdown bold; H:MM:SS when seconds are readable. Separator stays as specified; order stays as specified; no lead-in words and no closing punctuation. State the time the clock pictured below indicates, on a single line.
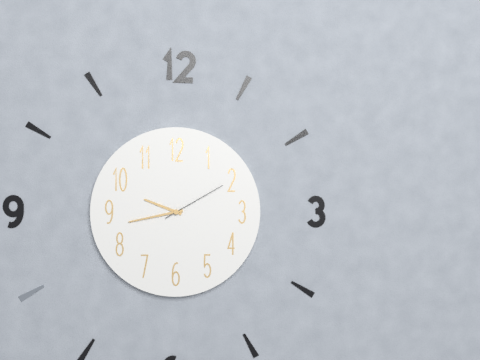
**9:43:10**
